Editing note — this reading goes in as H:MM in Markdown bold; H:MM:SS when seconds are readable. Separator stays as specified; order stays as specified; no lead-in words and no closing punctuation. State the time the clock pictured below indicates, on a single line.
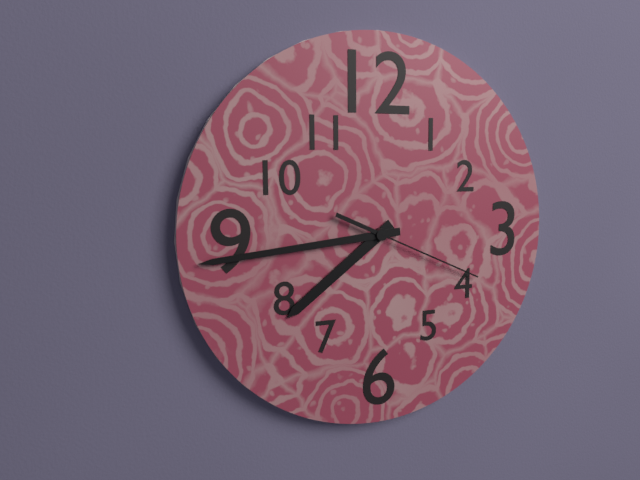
**7:44:19**
